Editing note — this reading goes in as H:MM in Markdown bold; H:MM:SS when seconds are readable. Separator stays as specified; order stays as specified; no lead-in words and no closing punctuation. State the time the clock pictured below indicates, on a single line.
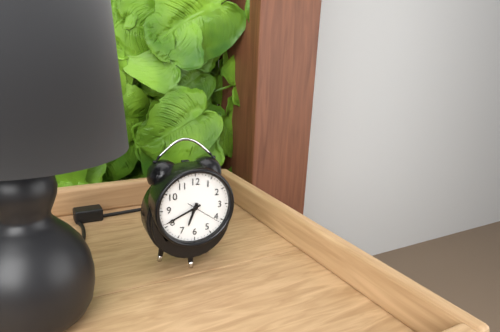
**6:41**
